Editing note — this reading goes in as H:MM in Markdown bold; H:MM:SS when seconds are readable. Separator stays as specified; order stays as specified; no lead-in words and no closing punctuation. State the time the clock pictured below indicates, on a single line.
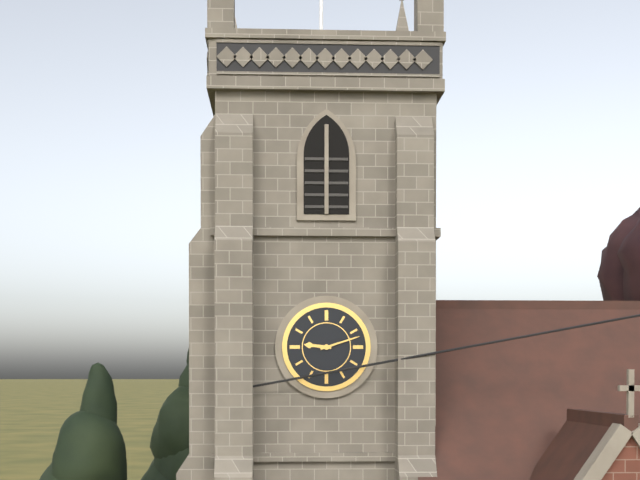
**9:12**
